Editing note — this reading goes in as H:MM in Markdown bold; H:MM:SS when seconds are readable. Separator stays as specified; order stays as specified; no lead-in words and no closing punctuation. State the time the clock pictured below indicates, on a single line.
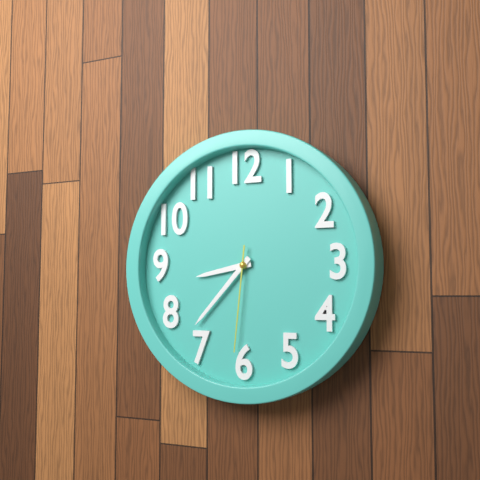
**8:37:31**
